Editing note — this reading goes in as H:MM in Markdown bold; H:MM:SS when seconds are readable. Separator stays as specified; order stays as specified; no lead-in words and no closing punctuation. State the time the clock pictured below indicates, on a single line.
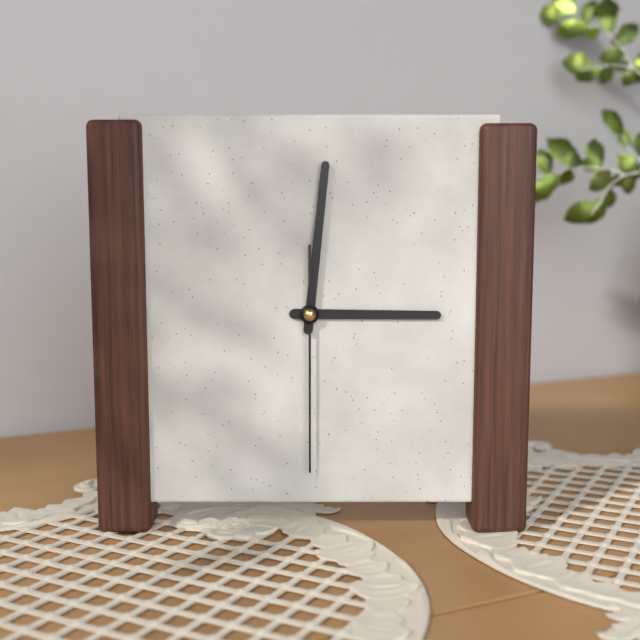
**3:01:30**
